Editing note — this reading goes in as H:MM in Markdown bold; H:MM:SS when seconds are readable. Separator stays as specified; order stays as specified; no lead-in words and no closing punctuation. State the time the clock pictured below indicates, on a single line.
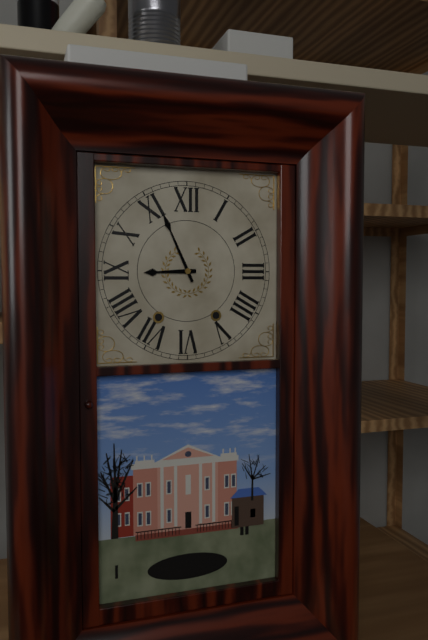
**8:56**
